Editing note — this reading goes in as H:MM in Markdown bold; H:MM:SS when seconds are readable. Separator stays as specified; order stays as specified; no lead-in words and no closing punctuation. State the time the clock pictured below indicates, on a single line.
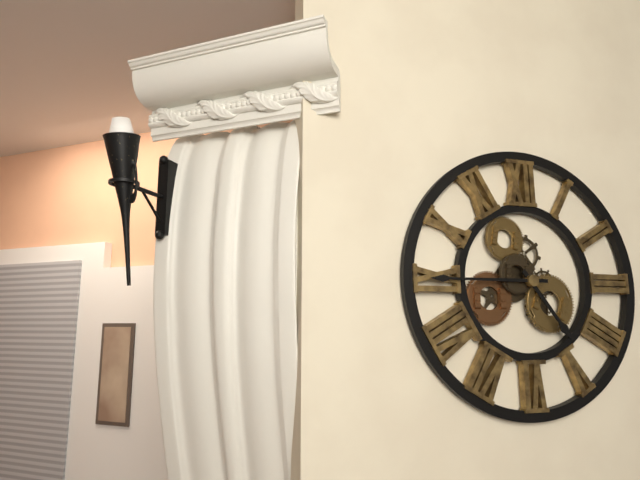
**4:45**
